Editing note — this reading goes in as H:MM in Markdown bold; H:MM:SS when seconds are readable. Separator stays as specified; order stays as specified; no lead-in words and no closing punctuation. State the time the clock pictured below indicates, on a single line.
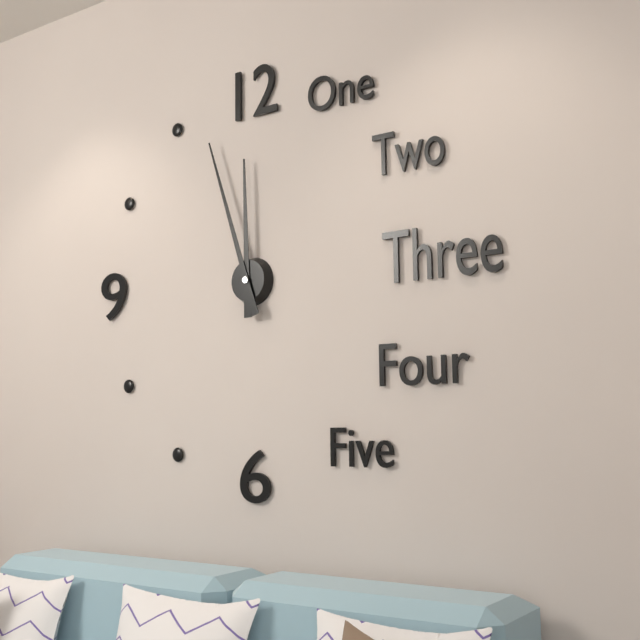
**11:57**
